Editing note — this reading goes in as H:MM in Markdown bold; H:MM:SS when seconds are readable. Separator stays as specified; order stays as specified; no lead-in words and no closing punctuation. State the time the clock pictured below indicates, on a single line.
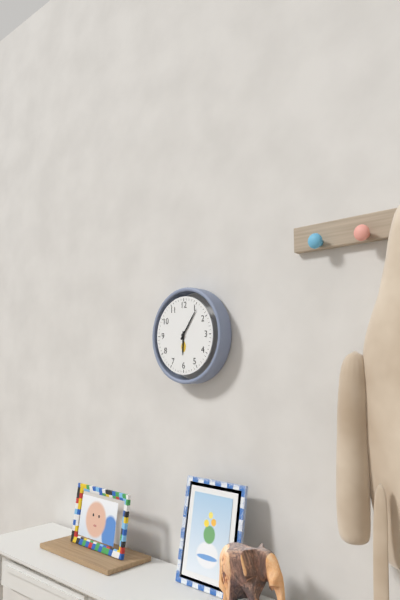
**6:06**
